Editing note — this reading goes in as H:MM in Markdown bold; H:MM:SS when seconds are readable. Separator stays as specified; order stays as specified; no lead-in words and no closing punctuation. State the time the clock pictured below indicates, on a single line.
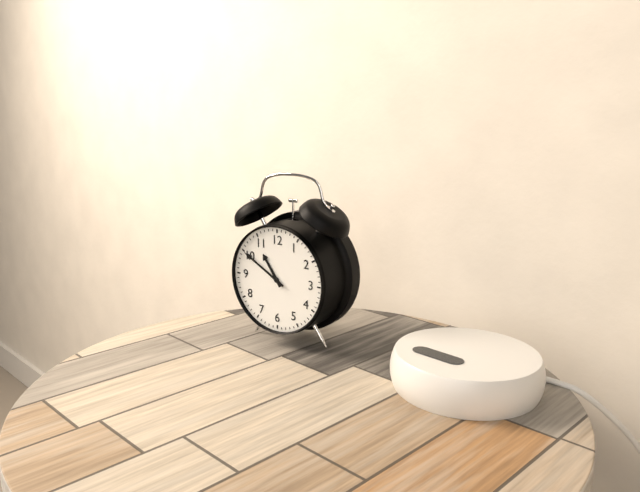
**10:50**
